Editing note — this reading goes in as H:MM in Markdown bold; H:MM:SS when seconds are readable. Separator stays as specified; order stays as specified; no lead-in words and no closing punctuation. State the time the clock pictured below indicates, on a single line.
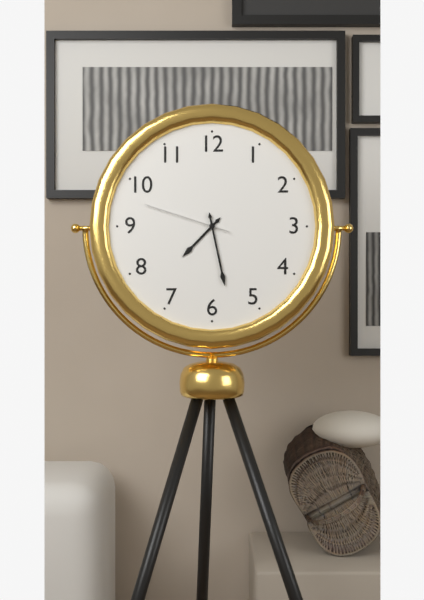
**7:28:48**
